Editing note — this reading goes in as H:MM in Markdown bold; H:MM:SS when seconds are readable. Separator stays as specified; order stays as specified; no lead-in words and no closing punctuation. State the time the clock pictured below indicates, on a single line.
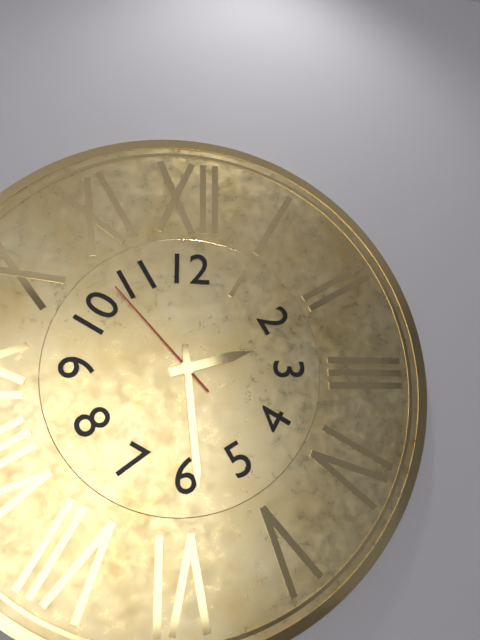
**2:29:53**
